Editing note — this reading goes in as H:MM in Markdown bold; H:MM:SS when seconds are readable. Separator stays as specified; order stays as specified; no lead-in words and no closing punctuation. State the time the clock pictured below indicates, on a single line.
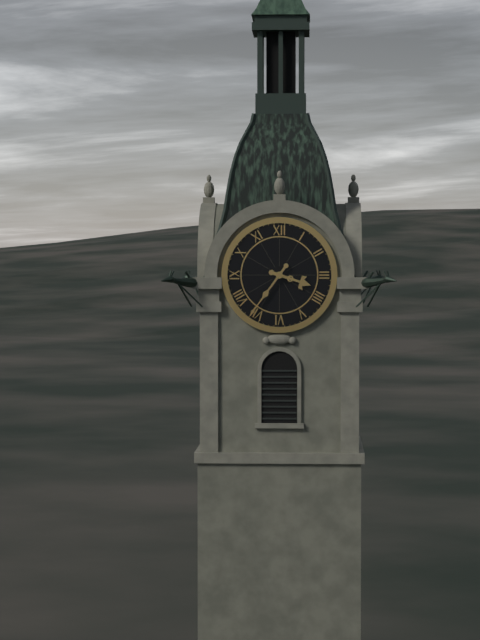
**3:36**
